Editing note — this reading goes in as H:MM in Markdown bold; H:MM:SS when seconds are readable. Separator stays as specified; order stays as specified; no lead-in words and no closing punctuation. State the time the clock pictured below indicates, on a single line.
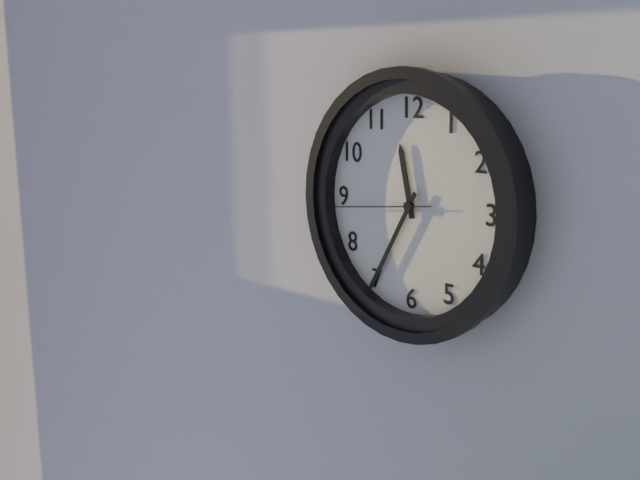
**11:35:44**
